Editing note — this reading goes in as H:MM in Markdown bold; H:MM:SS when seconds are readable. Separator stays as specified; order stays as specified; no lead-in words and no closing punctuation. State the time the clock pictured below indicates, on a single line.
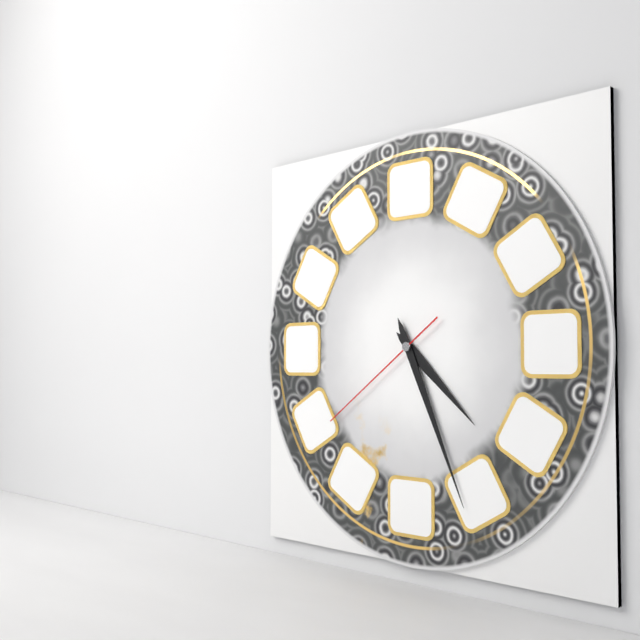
**4:26:39**
